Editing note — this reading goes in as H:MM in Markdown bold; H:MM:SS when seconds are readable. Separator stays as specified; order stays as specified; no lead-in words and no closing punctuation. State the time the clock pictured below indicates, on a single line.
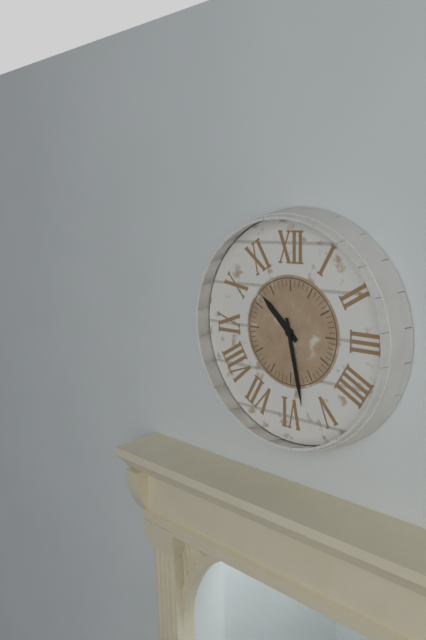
**10:28**
